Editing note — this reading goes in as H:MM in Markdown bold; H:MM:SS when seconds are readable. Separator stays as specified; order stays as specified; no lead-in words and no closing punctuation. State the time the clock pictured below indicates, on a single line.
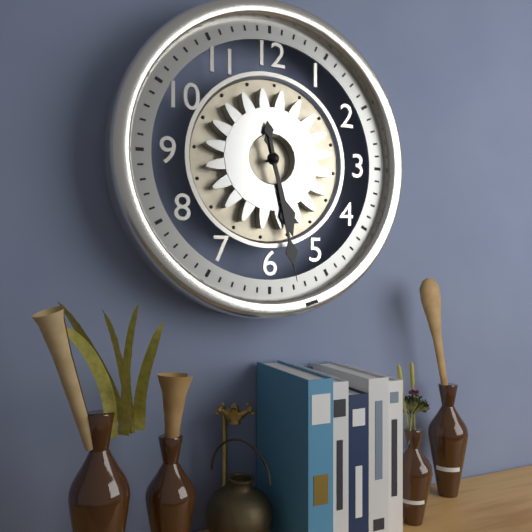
**5:28**
